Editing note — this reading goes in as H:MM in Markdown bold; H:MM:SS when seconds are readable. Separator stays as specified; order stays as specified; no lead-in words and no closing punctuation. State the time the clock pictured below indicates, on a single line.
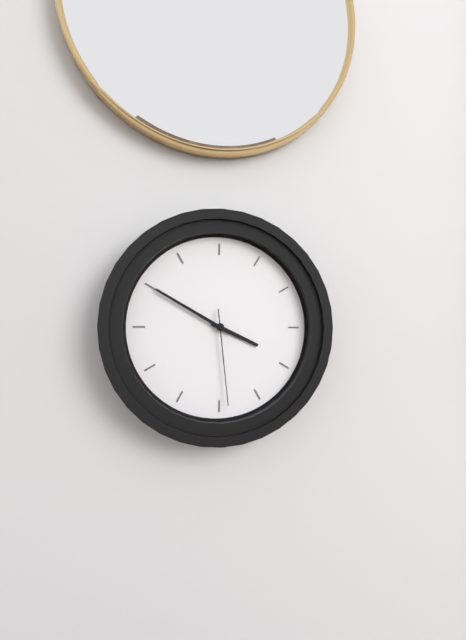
**3:50:29**
